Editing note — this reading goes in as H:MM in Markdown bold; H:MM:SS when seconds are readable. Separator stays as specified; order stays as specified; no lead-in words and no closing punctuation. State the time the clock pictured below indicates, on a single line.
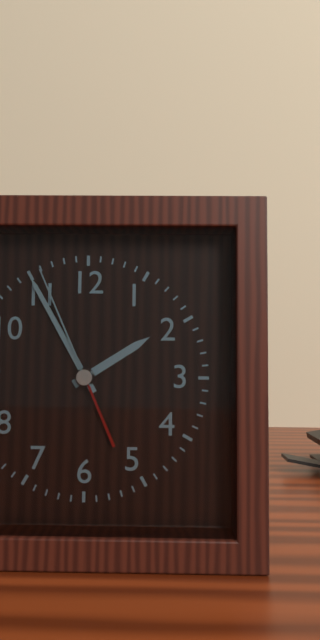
**1:55:56**
